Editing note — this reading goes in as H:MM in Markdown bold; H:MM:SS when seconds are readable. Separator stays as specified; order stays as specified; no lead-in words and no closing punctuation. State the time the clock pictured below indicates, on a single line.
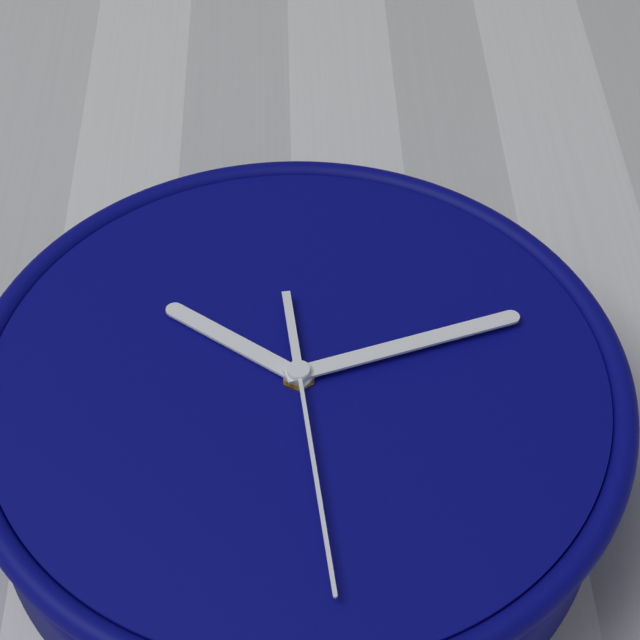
**10:12:29**
